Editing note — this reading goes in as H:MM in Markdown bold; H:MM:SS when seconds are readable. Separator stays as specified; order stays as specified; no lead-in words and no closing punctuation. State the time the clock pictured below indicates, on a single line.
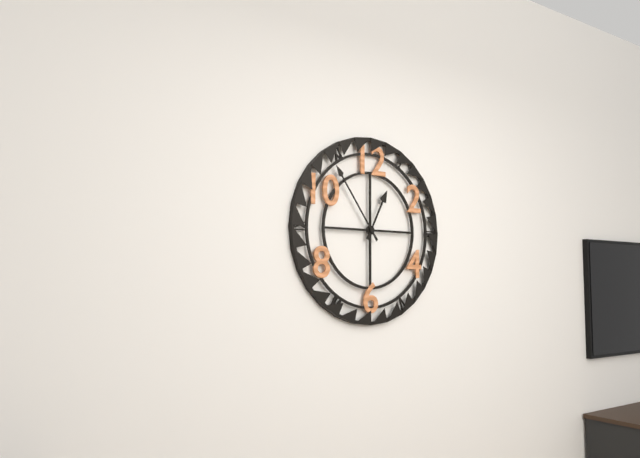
**12:54**
